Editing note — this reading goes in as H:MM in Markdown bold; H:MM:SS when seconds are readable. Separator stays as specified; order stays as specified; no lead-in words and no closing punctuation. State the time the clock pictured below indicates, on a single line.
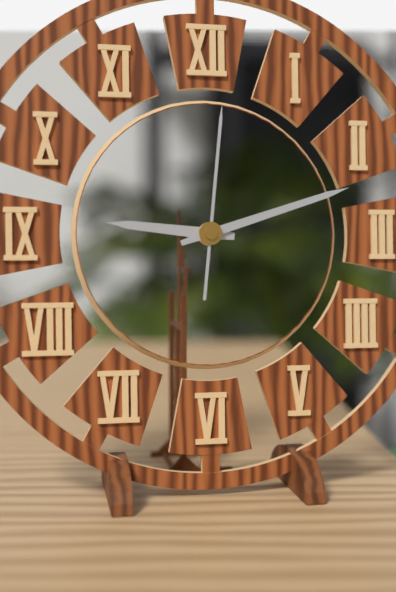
**9:12:01**
